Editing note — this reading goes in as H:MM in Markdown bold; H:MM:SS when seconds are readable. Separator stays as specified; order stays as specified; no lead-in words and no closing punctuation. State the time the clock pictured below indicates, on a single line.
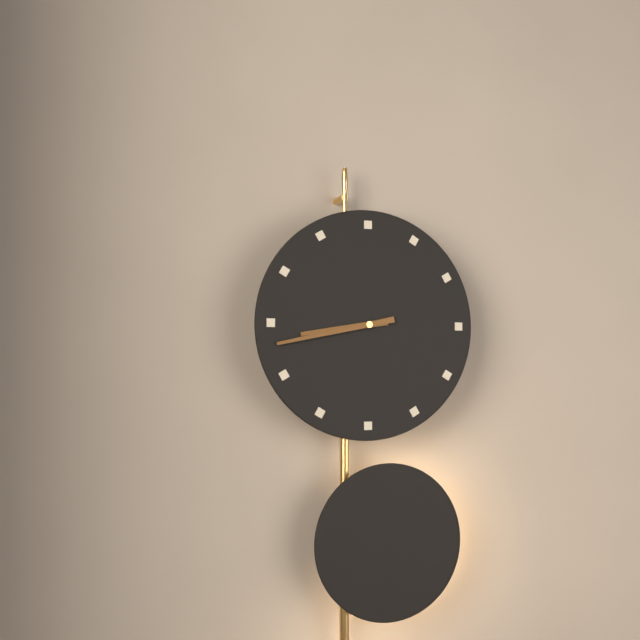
**8:43**
